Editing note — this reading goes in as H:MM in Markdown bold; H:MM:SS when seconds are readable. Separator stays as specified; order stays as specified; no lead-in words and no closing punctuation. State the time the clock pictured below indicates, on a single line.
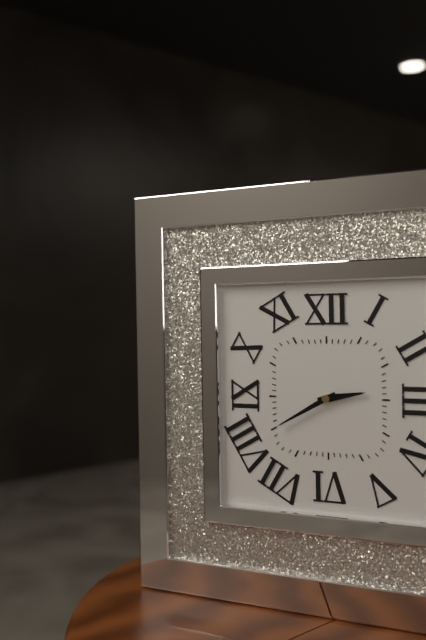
**2:40**
